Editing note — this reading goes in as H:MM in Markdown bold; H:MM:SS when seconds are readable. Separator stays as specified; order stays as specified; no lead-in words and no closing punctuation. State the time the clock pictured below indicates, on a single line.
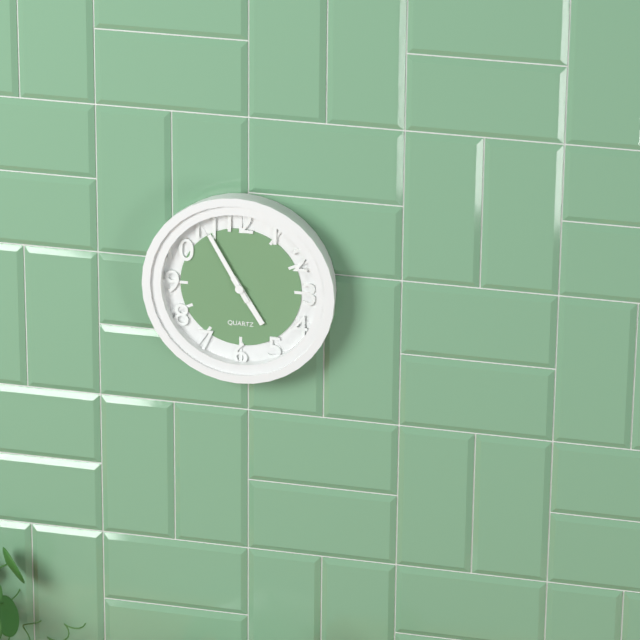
**4:55**
